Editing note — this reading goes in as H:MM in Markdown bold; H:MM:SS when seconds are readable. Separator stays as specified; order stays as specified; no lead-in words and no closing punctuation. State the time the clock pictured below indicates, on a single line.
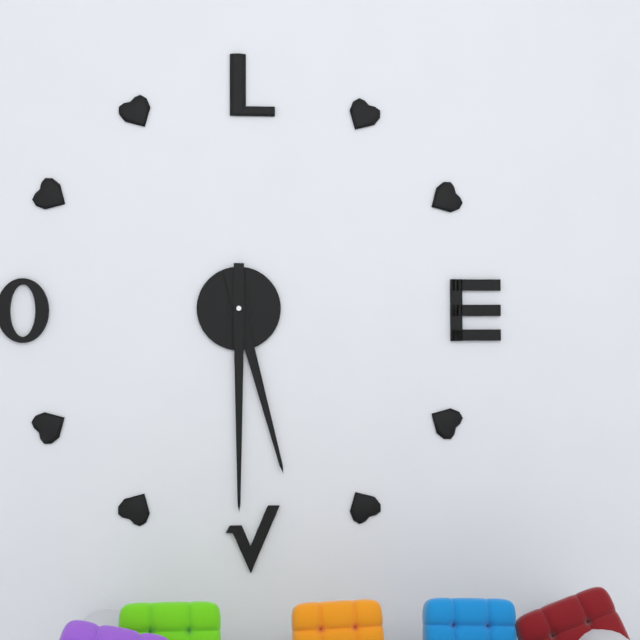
**5:30**
